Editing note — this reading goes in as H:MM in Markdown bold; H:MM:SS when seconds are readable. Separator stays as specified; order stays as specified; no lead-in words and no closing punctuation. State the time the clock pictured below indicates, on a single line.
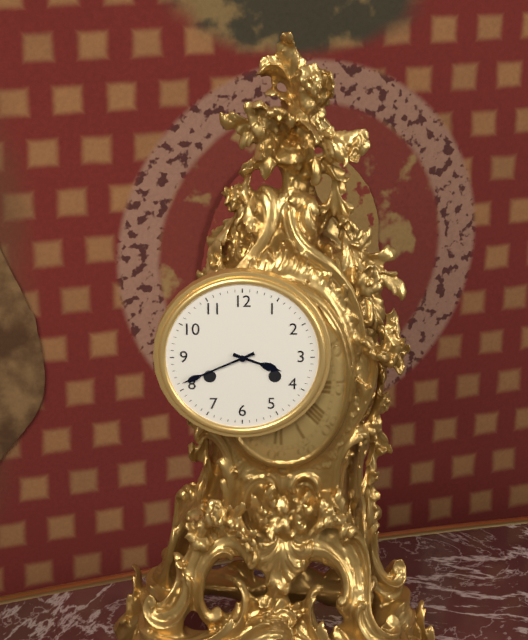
**3:41**
